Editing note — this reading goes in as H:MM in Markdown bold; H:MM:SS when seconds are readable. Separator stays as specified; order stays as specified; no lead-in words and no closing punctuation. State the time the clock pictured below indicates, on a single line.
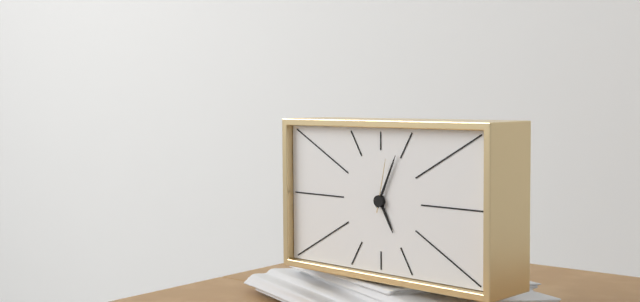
**5:04:02**
